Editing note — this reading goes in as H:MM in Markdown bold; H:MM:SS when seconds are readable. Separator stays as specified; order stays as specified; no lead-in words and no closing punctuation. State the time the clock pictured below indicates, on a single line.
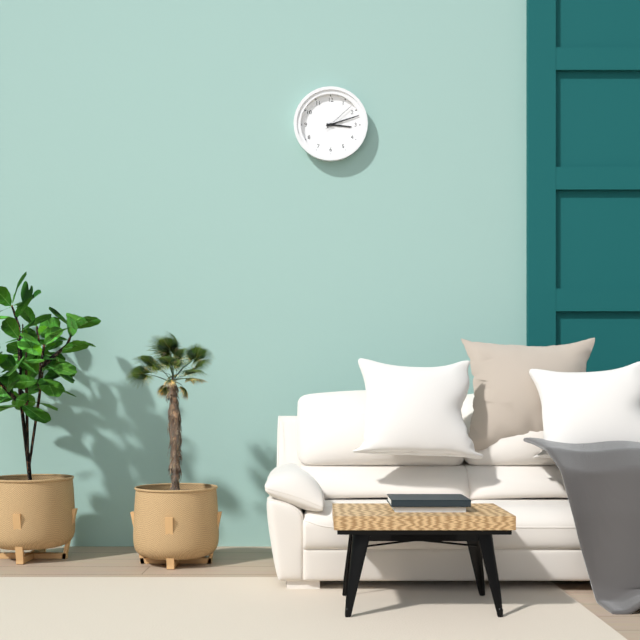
**3:12**
